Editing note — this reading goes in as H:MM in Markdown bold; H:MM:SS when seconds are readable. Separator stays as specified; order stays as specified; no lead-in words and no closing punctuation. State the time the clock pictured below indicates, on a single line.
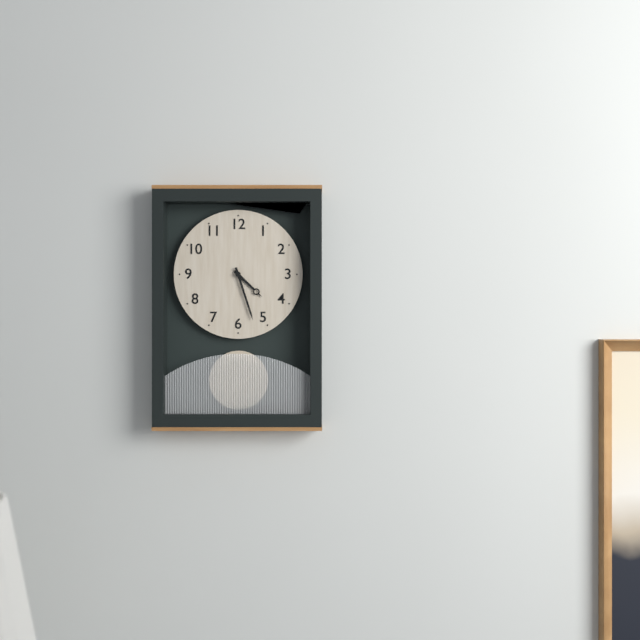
**4:27**
